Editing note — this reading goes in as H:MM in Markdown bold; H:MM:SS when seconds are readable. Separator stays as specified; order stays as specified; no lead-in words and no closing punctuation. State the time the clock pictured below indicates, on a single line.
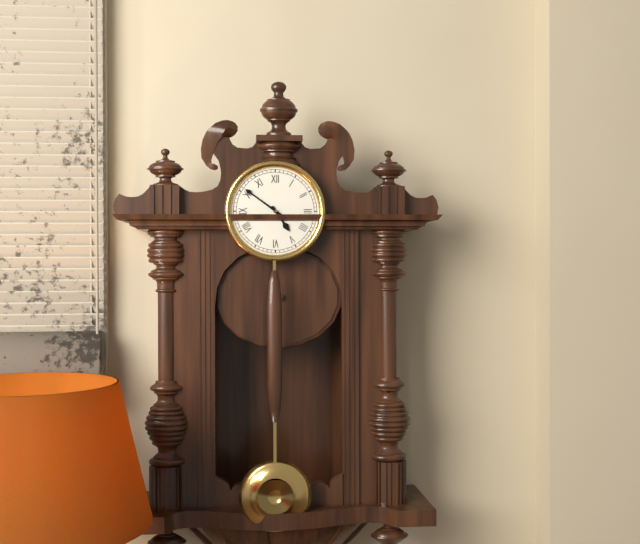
**4:51**
